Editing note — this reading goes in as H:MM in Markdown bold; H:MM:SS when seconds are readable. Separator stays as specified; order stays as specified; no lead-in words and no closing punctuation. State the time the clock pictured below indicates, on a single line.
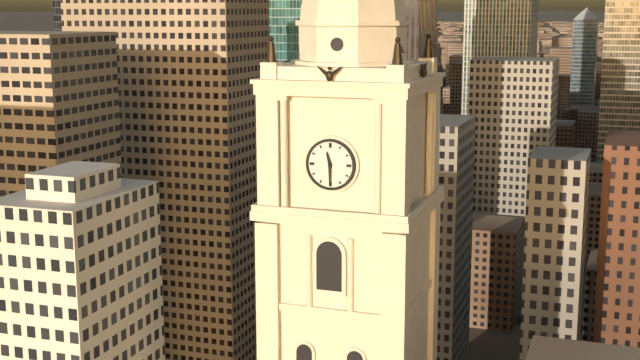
**11:30**
